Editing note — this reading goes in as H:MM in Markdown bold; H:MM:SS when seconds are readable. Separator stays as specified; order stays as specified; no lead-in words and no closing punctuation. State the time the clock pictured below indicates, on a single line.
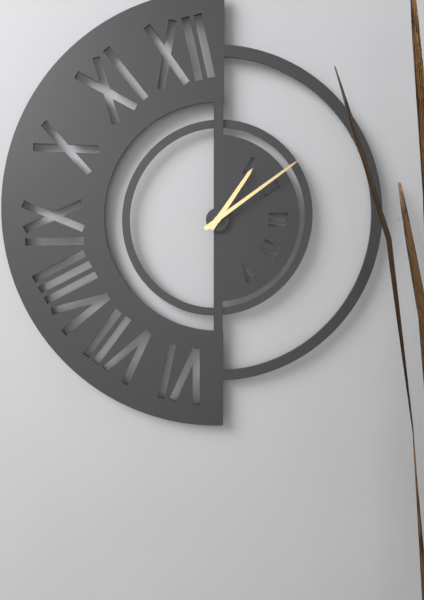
**1:09**
